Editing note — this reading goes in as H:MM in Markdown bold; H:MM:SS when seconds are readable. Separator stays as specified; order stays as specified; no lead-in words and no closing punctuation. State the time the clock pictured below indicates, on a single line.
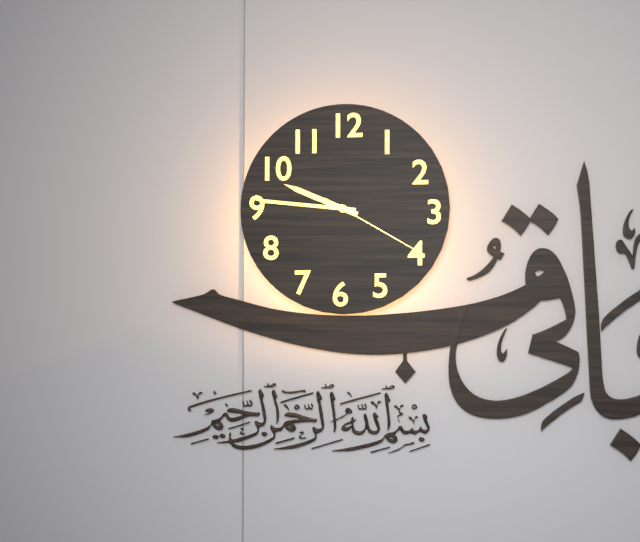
**9:46:20**
